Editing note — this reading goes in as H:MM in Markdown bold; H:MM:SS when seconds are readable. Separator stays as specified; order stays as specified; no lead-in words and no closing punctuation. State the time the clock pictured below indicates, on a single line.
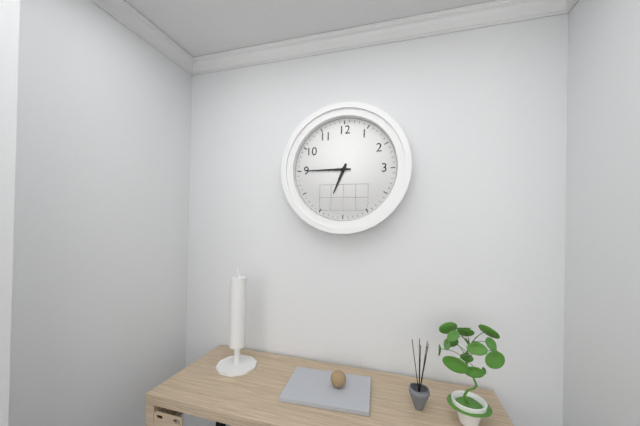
**6:45**
